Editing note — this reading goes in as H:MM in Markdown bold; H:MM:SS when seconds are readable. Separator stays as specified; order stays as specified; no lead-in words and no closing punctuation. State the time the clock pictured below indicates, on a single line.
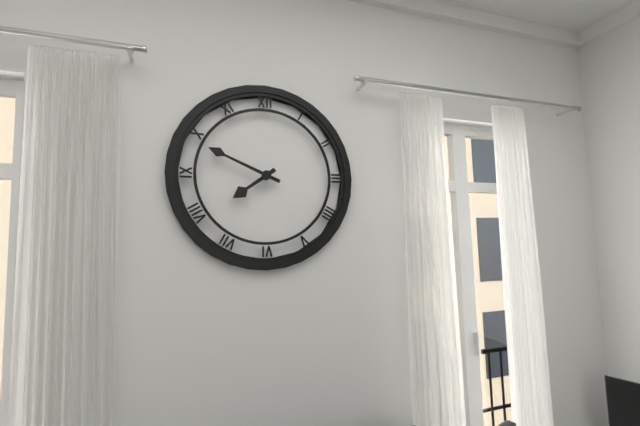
**7:49**
